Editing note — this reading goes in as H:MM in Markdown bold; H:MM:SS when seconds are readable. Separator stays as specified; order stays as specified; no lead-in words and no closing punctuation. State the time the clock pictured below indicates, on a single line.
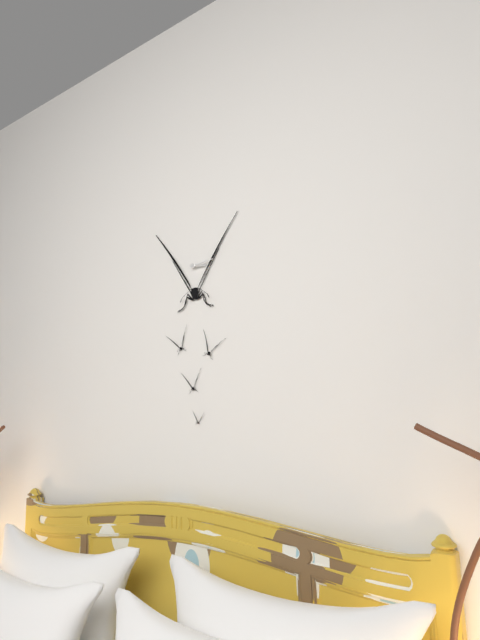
**3:14**
